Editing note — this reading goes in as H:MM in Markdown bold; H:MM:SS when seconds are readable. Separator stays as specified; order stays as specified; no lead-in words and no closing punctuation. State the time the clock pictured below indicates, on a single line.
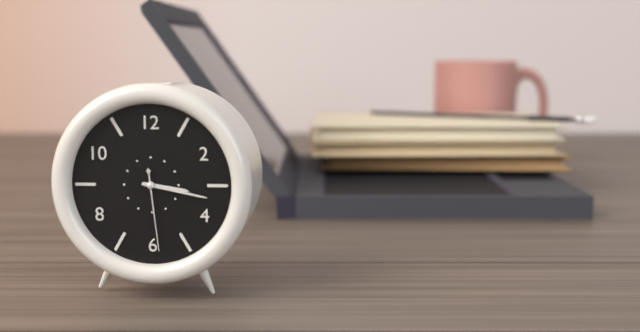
**3:17:29**
